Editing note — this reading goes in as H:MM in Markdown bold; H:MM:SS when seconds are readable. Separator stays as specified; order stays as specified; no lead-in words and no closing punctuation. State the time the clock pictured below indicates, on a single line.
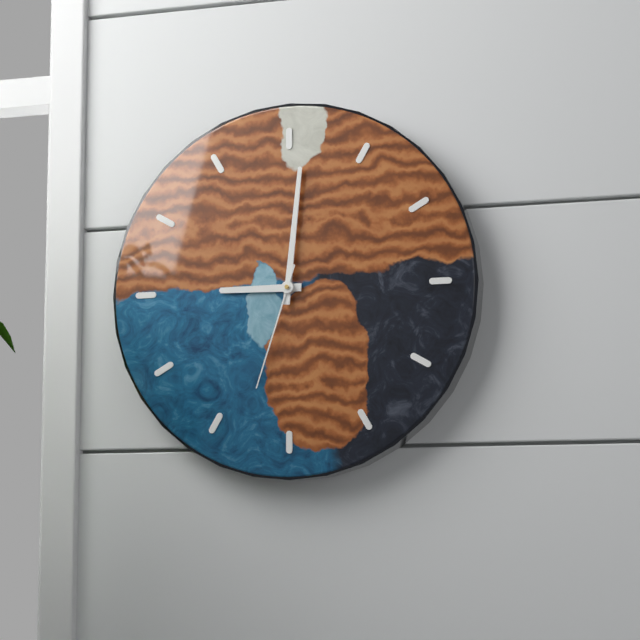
**9:01:33**
